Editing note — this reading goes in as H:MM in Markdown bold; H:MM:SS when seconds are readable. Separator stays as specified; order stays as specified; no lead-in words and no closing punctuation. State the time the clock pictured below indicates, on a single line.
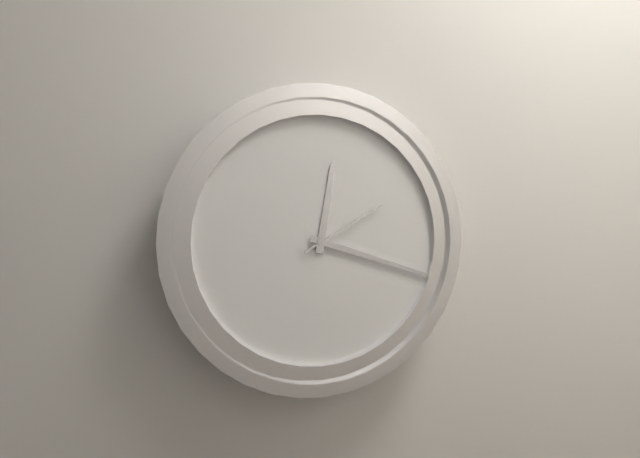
**12:18:10**
